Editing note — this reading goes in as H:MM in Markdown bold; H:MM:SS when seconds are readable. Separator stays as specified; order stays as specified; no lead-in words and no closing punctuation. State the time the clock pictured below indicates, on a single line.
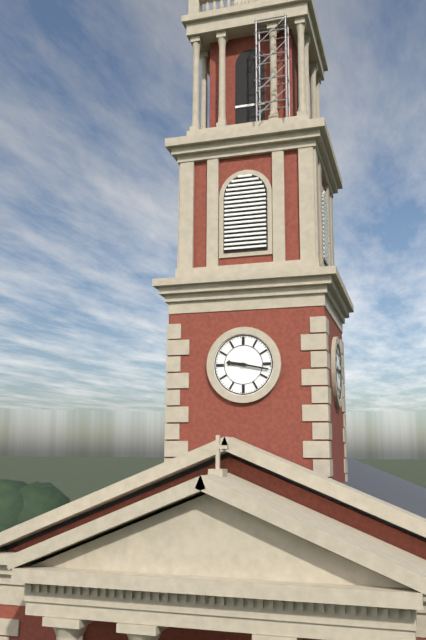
**9:17**
